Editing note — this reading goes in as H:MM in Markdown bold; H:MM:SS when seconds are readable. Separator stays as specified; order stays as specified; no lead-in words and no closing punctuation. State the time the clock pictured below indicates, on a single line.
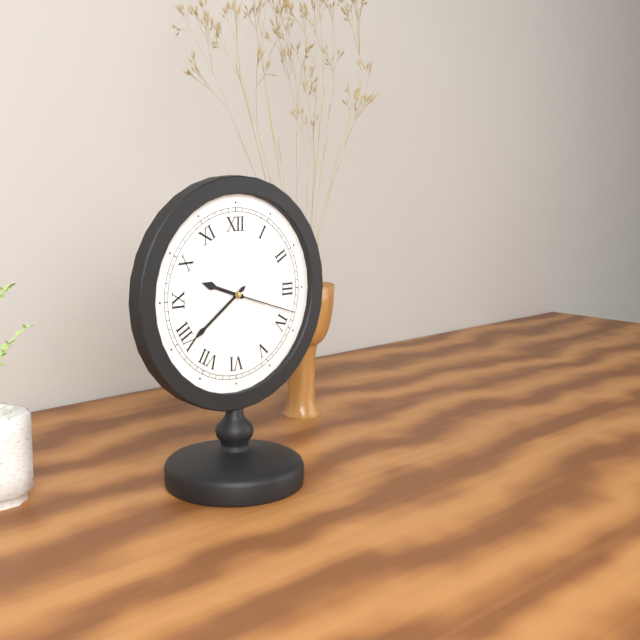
**9:39:18**
